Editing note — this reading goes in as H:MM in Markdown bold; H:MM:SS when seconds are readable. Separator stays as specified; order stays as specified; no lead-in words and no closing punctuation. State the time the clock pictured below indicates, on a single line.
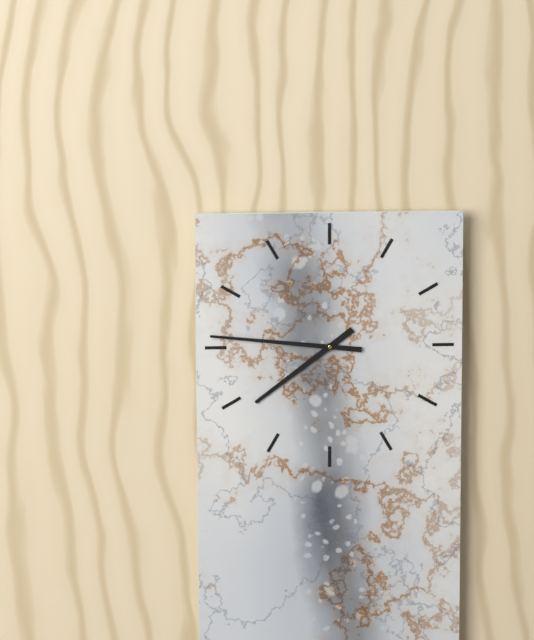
**7:46**
